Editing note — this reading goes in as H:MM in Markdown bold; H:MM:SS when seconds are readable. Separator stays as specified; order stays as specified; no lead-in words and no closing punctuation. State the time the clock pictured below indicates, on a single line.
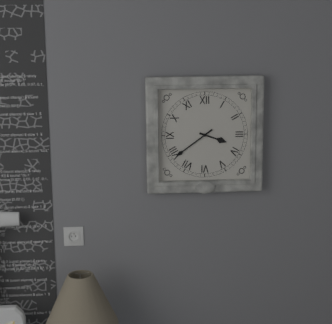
**3:39**
